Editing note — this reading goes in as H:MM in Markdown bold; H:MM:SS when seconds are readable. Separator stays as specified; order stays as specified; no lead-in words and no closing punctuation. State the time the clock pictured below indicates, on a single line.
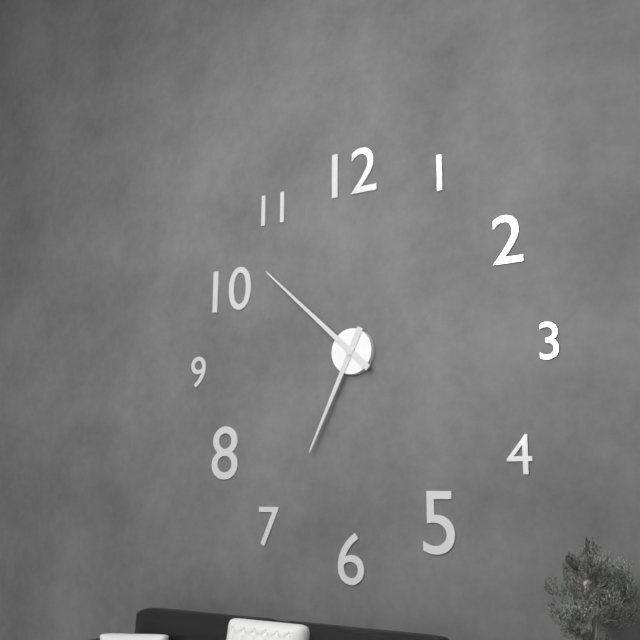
**6:52**
